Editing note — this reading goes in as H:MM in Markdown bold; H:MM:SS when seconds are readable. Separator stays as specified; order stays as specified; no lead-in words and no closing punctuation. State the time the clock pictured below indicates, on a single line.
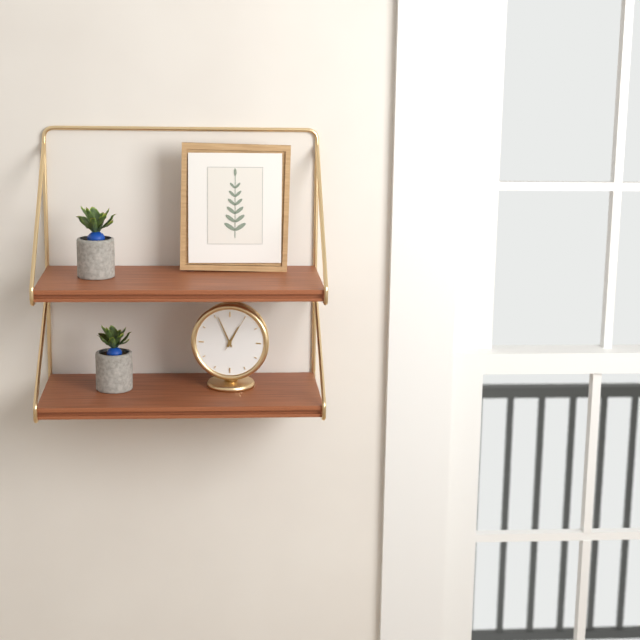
**12:56**
